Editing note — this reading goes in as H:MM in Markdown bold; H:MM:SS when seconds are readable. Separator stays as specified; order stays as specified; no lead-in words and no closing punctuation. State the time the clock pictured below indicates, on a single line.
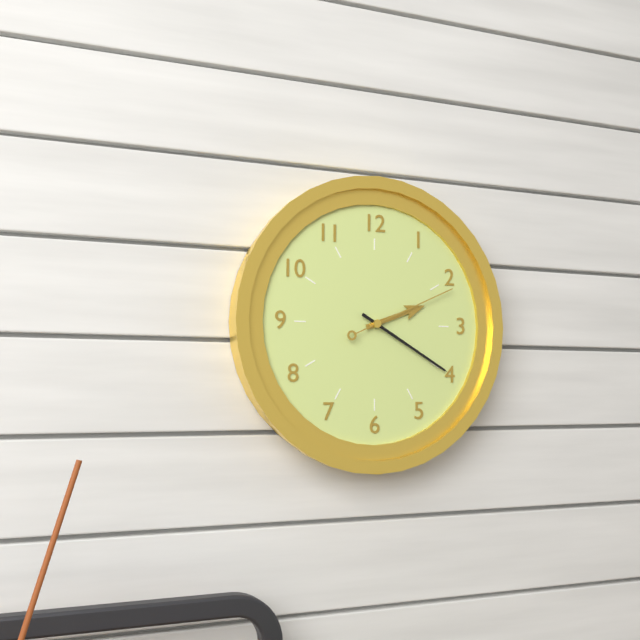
**2:20:11**
